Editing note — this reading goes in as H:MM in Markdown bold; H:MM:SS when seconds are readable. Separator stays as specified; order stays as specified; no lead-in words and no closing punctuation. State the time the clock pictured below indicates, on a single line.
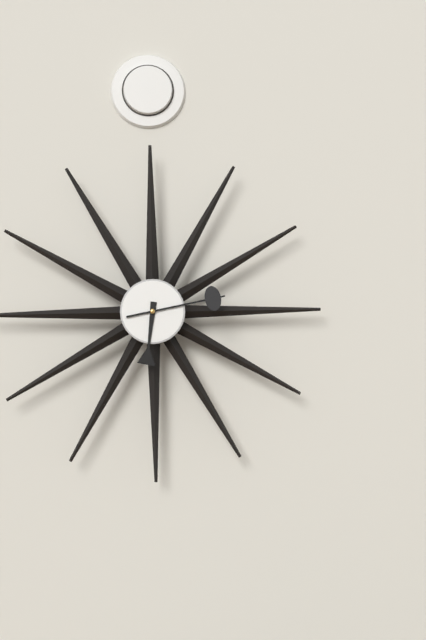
**6:13**
